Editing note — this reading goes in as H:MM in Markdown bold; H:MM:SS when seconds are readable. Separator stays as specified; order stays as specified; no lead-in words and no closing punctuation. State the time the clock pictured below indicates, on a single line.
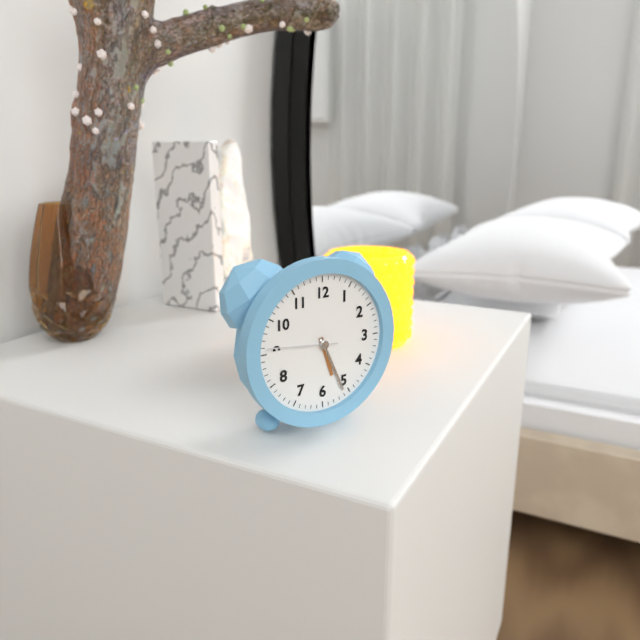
**5:26:46**
